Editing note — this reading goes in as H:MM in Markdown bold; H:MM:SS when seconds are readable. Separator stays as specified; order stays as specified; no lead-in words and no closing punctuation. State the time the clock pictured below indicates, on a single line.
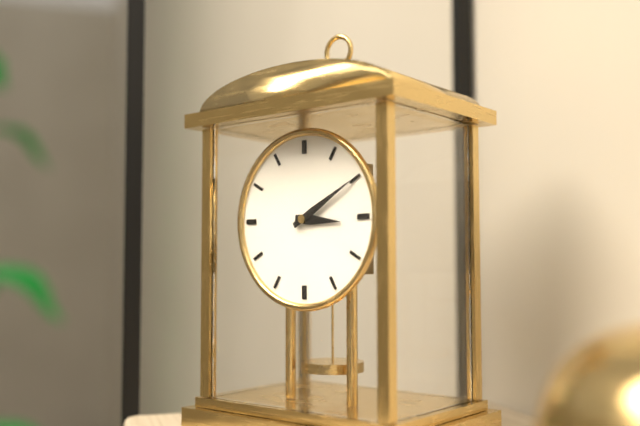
**3:10**
